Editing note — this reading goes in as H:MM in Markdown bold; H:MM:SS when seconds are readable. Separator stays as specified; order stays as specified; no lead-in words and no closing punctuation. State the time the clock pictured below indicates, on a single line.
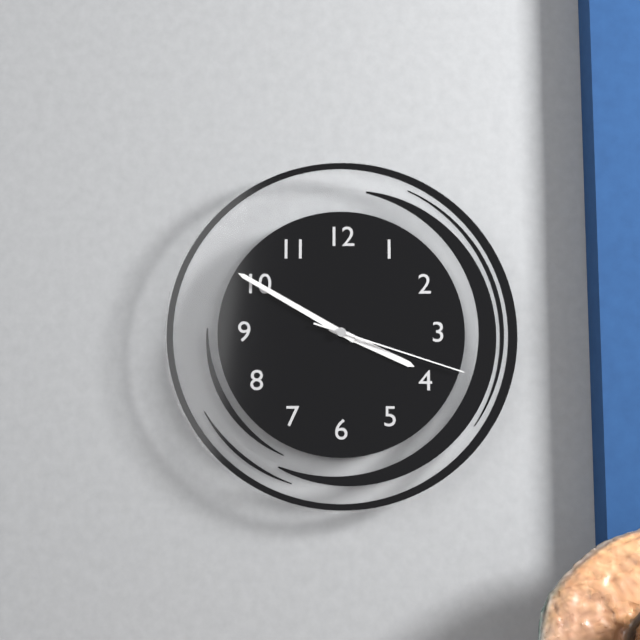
**3:50:18**
